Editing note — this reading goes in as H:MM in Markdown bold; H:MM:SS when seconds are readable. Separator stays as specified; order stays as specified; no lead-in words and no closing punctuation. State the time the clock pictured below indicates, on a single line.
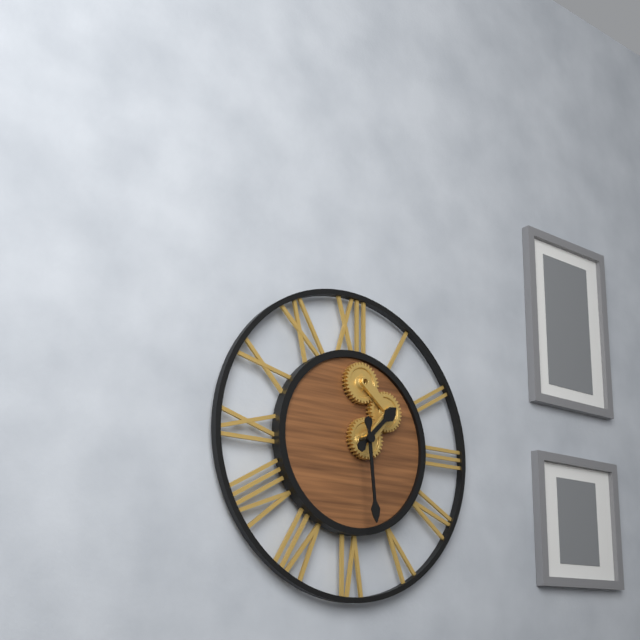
**1:29**
